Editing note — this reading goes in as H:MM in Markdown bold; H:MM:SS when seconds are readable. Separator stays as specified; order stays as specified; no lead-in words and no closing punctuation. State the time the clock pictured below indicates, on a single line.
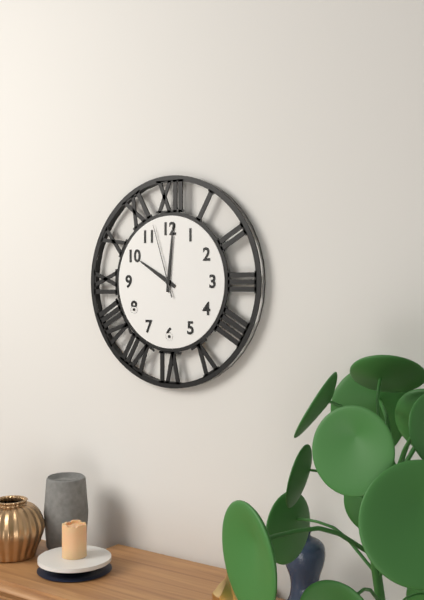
**10:01:57**
